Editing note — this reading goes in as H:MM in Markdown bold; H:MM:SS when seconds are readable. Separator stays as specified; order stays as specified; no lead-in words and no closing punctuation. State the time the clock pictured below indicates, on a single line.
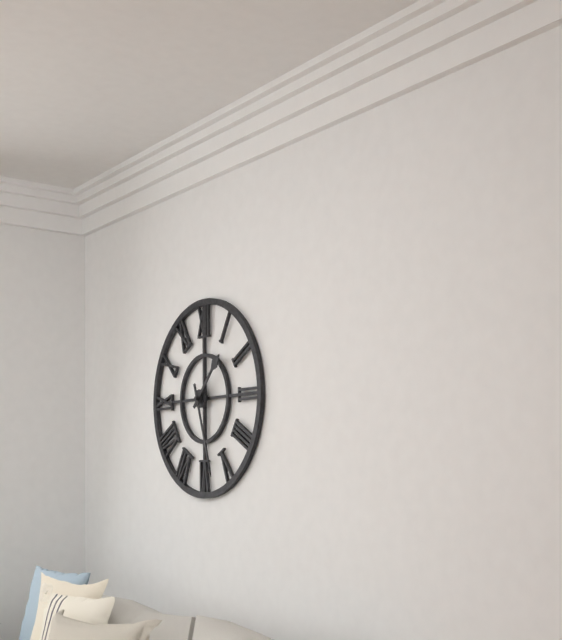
**1:27**
